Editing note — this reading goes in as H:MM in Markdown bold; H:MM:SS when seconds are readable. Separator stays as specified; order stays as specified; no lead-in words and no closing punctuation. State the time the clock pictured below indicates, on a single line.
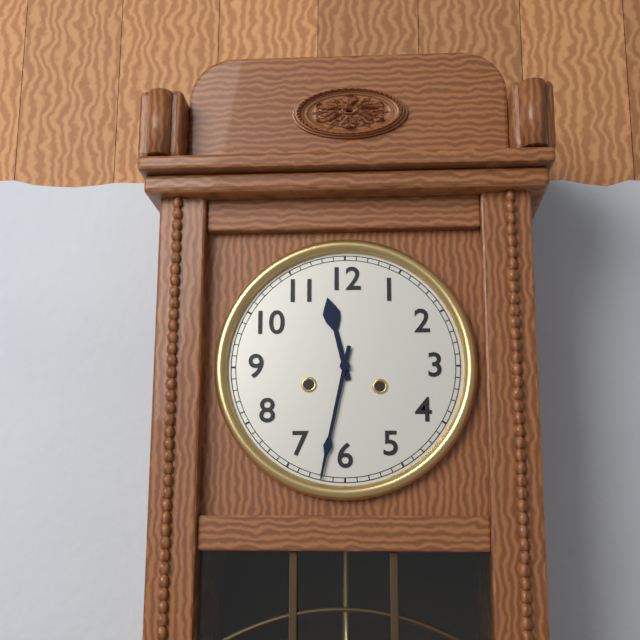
**11:32**
